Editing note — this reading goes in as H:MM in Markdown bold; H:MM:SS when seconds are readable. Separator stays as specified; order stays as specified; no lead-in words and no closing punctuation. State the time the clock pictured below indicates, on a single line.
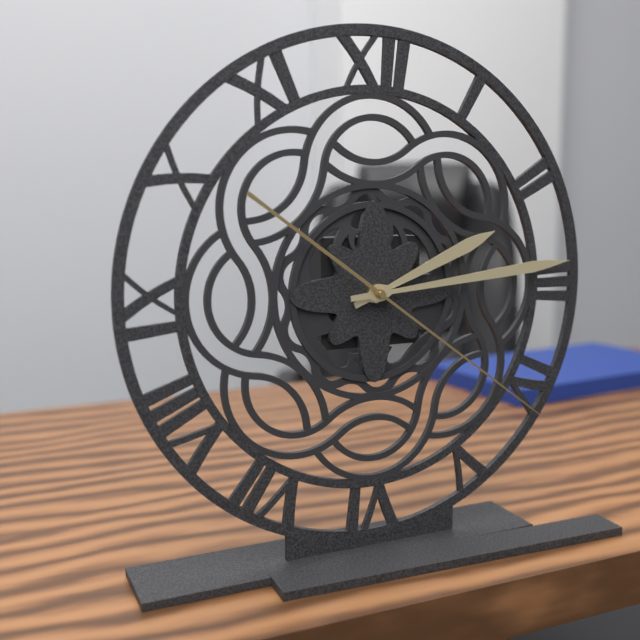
**2:14:21**
